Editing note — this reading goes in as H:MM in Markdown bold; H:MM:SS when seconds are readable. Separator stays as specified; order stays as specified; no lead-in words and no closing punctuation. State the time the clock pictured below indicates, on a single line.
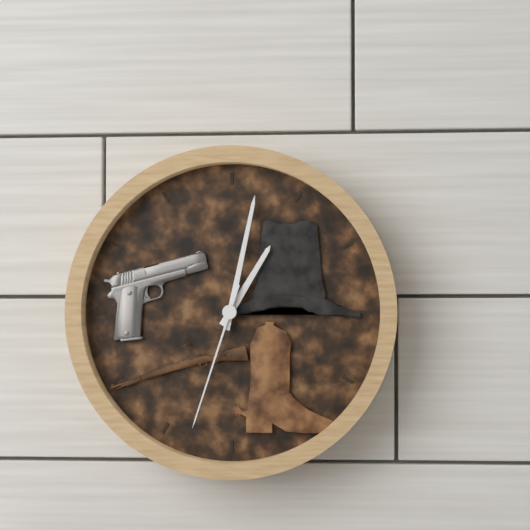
**1:02:33**
